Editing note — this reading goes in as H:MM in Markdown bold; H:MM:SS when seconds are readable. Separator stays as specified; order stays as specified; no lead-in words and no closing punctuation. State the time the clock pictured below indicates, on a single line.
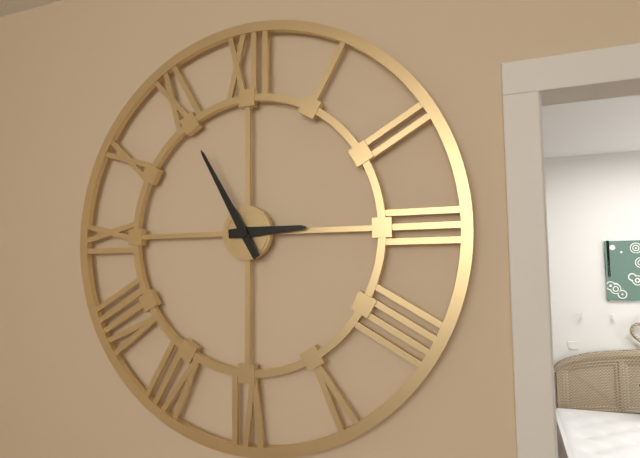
**2:55**
